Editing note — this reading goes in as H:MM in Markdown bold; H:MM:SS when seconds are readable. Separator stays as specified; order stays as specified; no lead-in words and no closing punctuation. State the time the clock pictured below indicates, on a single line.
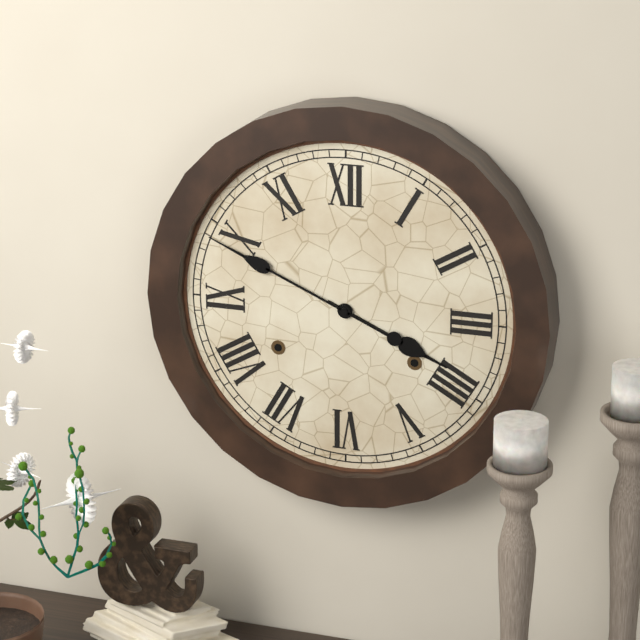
**3:49**
